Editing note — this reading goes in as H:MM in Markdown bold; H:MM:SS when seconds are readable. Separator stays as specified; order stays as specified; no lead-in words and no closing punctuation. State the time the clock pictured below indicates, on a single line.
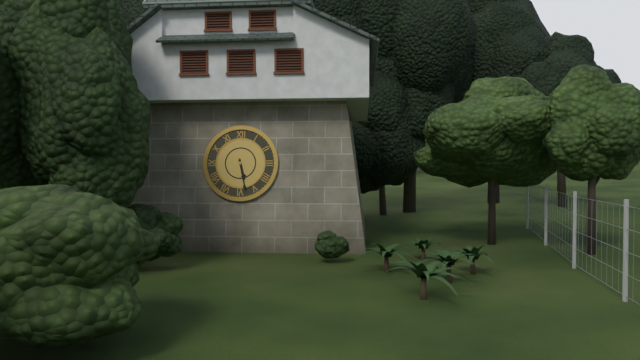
**5:28**
